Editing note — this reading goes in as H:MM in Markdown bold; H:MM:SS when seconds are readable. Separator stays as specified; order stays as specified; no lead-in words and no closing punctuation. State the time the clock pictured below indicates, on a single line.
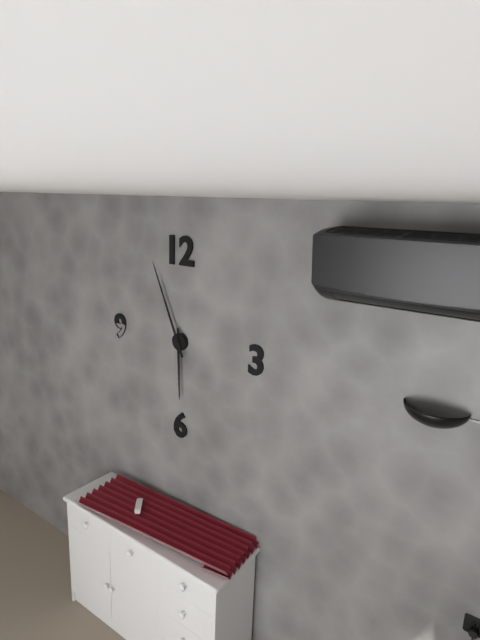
**5:56**
